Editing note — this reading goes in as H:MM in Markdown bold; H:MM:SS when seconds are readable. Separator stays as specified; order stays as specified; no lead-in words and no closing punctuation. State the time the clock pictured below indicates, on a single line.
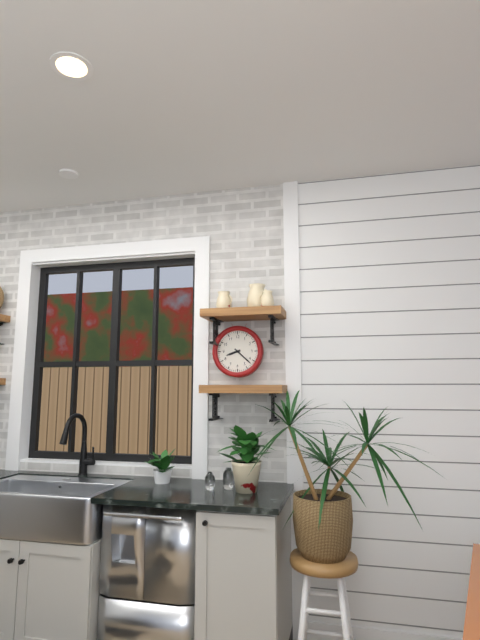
**8:22**
